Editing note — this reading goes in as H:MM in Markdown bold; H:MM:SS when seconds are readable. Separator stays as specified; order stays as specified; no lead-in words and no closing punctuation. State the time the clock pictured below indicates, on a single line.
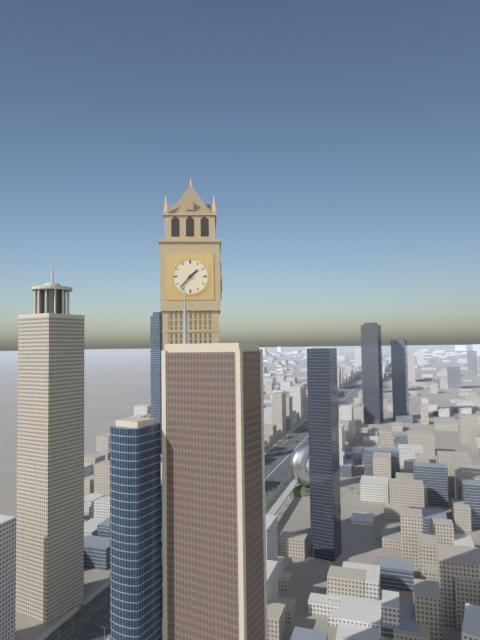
**1:37**
